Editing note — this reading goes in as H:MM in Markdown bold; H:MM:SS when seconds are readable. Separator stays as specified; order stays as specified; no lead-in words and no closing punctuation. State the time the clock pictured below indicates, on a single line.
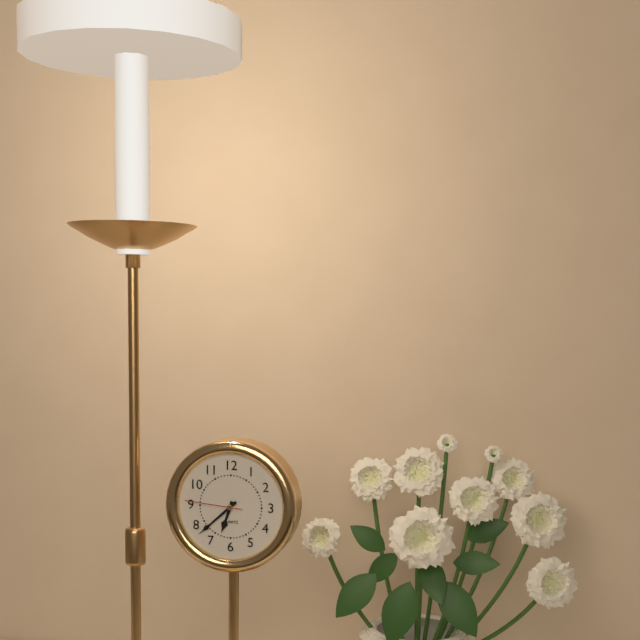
**6:38:46**
